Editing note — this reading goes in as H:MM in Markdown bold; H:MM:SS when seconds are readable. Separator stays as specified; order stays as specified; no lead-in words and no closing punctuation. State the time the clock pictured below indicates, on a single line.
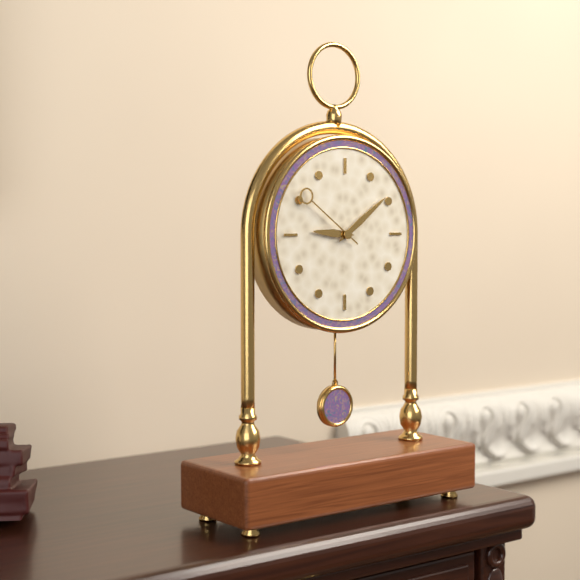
**9:09:51**
